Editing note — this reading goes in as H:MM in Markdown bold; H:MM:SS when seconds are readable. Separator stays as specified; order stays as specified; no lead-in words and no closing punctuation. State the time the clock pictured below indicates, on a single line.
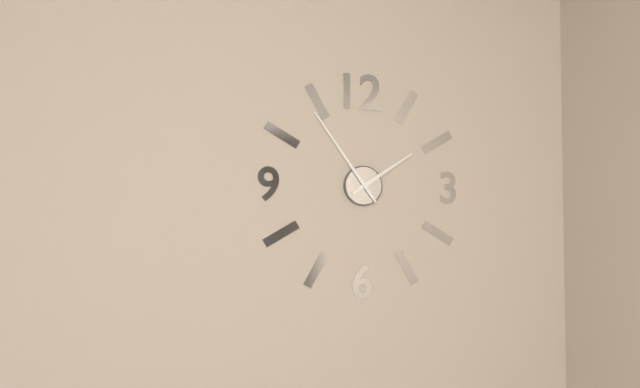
**1:54**
